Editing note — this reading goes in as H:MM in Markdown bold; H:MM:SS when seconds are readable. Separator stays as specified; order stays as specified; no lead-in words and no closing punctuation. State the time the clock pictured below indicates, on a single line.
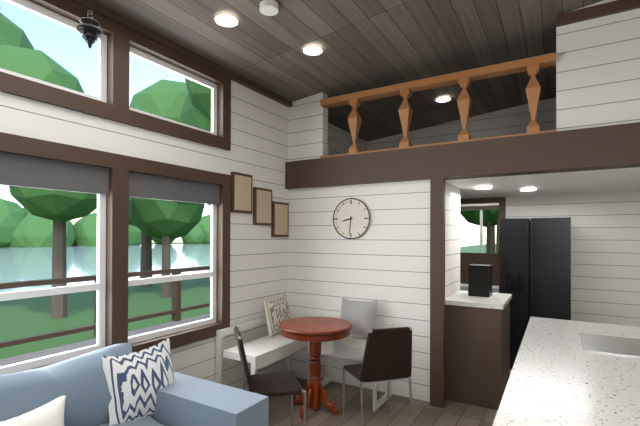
**8:31**
